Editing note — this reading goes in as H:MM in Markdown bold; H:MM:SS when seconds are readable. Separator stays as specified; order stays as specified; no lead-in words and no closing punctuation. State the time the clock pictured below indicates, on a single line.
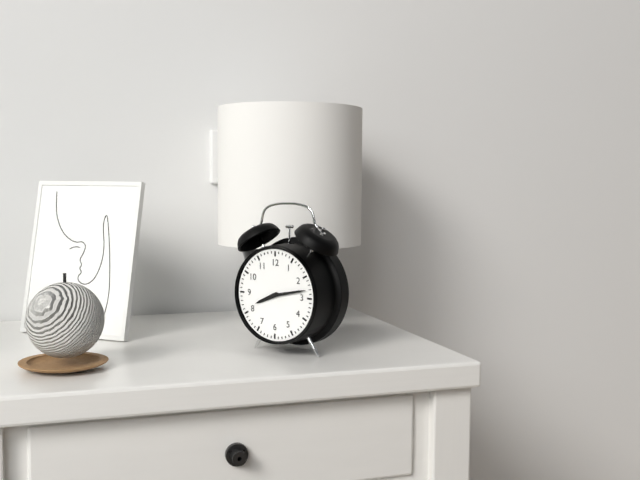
**8:13**
